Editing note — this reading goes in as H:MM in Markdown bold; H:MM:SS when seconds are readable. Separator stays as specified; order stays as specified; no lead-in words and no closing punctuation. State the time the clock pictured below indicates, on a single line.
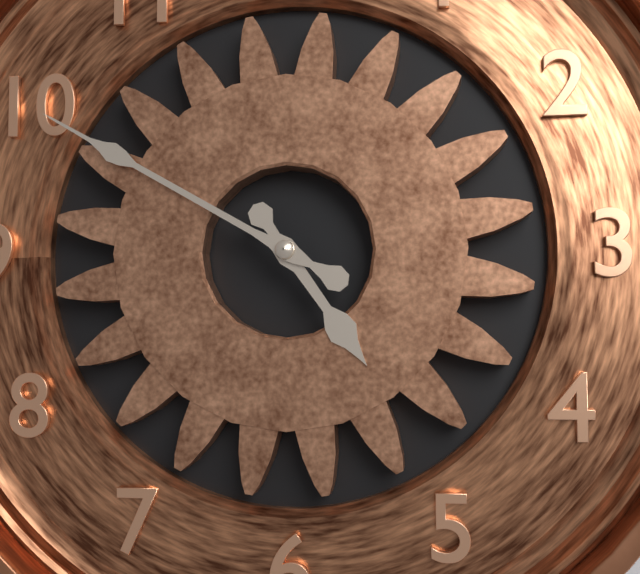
**4:50**
